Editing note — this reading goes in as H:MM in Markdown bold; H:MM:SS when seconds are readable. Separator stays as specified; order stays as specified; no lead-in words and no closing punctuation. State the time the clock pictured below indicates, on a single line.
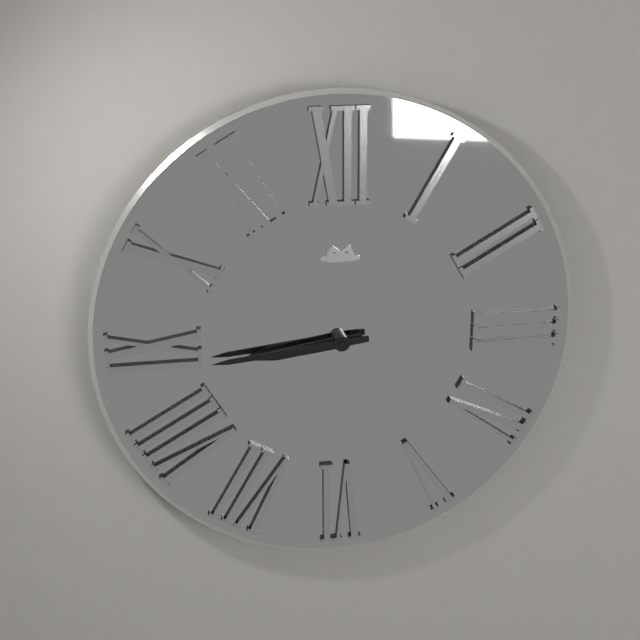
**8:44**
